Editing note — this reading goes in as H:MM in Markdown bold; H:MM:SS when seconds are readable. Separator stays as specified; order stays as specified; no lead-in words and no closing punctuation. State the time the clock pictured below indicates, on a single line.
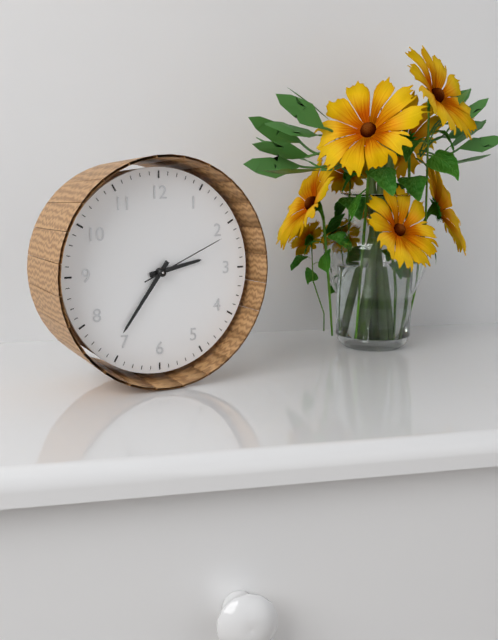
**2:36:11**
